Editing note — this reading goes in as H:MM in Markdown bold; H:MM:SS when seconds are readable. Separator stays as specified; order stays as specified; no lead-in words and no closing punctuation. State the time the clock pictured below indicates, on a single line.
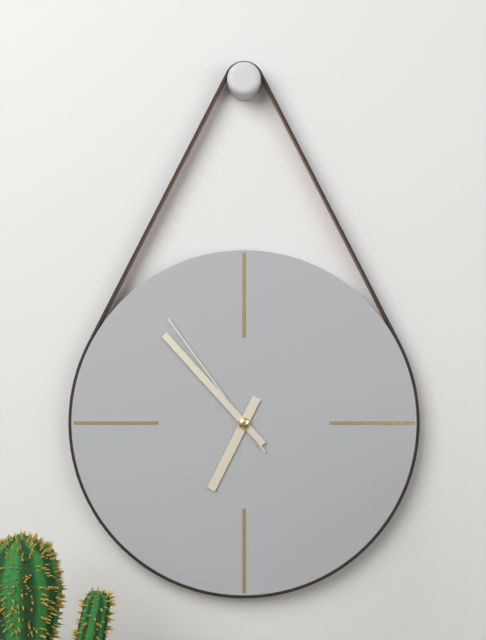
**6:53:54**
